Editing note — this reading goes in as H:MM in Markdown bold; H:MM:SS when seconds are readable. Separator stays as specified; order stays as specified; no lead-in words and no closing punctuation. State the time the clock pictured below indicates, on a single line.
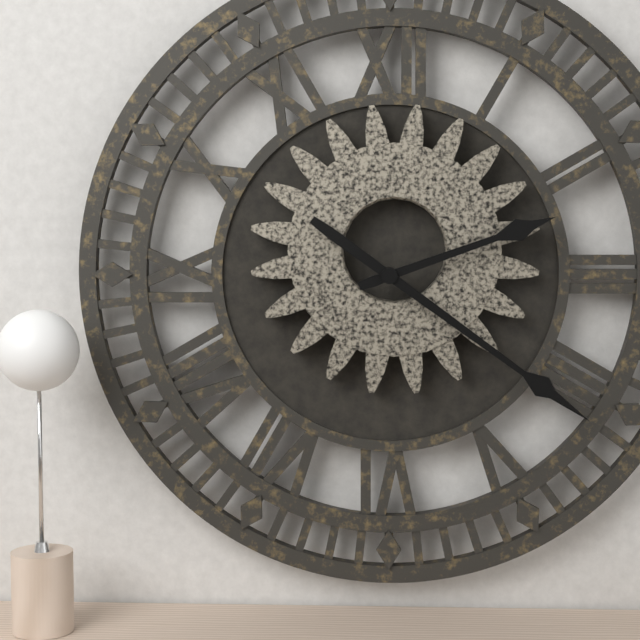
**2:21**
